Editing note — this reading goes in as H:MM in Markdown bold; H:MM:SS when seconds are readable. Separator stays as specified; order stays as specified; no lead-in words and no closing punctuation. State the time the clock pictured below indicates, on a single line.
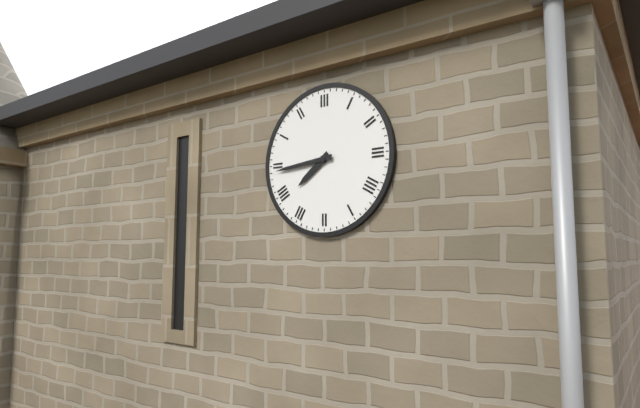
**7:44**
